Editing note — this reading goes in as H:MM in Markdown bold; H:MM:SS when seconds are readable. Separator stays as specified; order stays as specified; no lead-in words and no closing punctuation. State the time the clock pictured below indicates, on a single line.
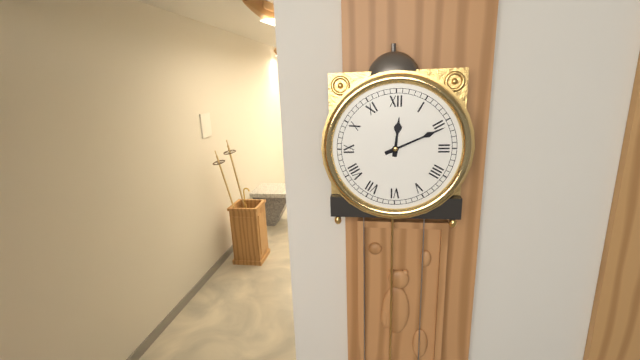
**12:11**
